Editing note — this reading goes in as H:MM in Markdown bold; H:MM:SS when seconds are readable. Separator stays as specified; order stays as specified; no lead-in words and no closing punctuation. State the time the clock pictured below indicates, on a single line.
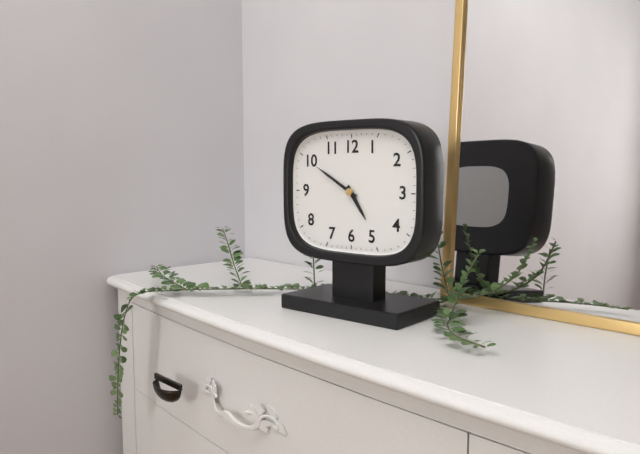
**4:50**
